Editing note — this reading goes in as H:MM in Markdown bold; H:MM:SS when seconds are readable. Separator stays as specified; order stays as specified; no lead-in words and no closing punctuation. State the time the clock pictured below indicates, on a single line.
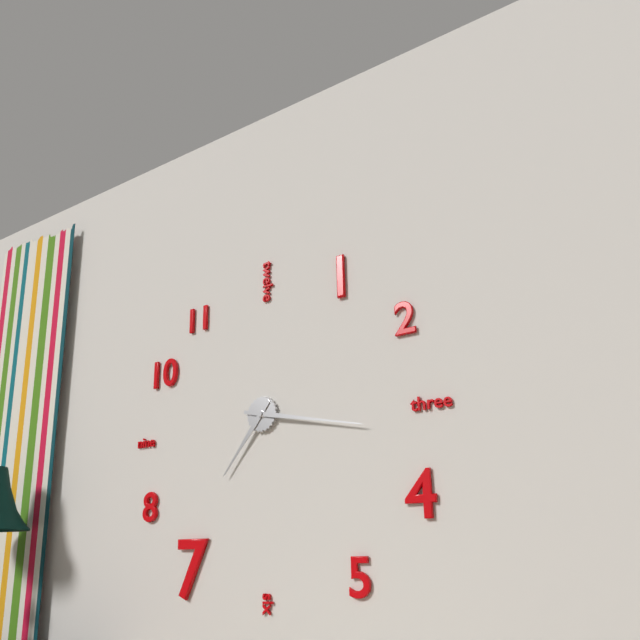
**7:17**
